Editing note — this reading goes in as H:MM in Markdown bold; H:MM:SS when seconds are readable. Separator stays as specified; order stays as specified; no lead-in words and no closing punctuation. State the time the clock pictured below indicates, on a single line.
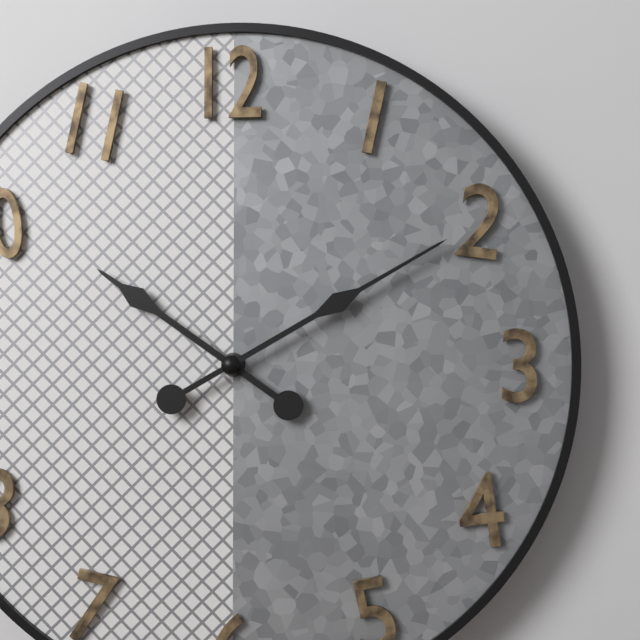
**10:10**
